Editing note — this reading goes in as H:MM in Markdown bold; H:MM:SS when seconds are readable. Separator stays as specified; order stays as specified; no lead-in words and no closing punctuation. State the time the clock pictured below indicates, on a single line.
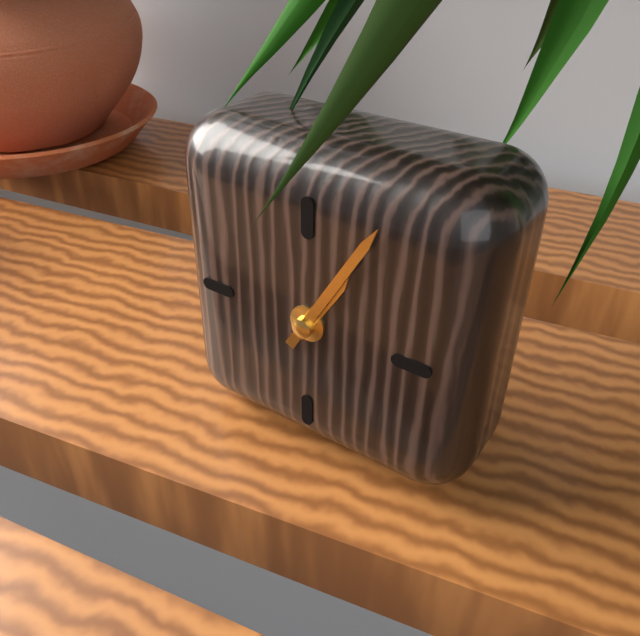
**1:05**
